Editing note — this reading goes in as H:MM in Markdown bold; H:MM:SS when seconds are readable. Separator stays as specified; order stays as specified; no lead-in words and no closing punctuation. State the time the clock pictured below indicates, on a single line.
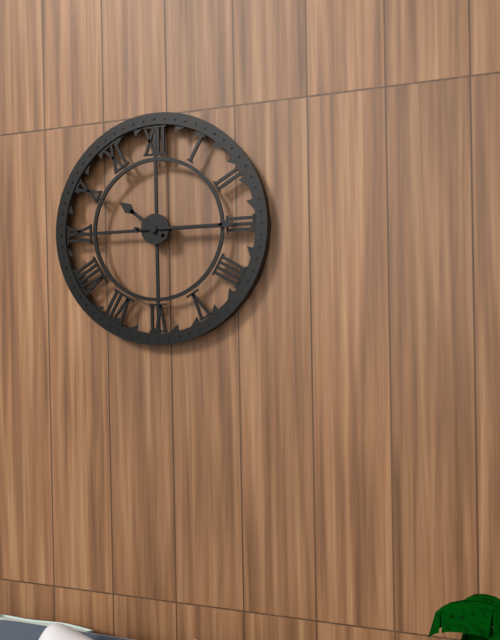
**10:15**
